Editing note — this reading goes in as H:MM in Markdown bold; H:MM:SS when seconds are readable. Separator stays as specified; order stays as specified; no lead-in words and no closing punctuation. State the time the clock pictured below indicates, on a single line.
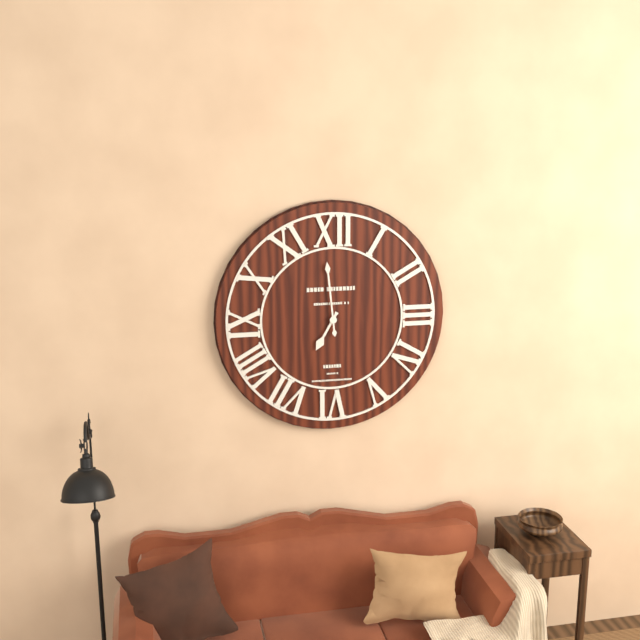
**6:59**
